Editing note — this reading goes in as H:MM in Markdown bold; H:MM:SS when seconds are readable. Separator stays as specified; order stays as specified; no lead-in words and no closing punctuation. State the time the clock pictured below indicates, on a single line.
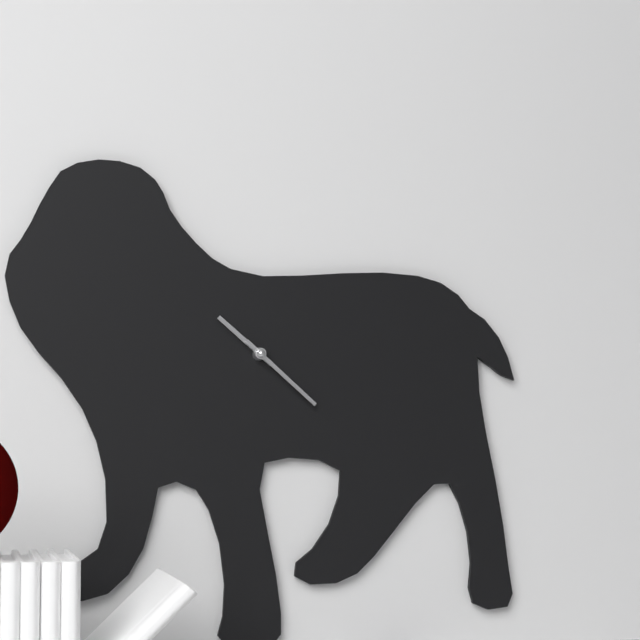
**10:22**
